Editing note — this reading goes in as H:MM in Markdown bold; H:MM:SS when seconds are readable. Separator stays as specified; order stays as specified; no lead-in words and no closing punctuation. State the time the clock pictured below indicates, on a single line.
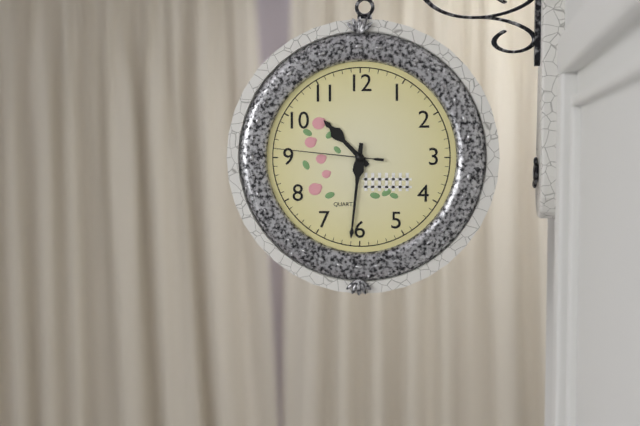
**10:31:46**
